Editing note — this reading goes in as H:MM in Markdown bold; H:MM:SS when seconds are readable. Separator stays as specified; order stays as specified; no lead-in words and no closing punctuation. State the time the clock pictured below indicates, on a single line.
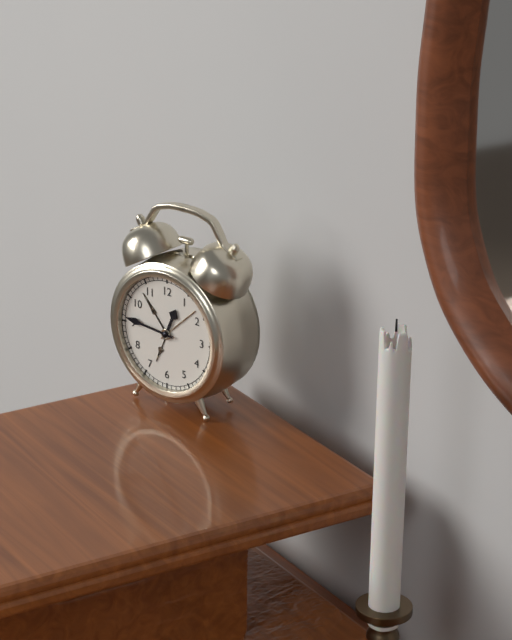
**12:46**
